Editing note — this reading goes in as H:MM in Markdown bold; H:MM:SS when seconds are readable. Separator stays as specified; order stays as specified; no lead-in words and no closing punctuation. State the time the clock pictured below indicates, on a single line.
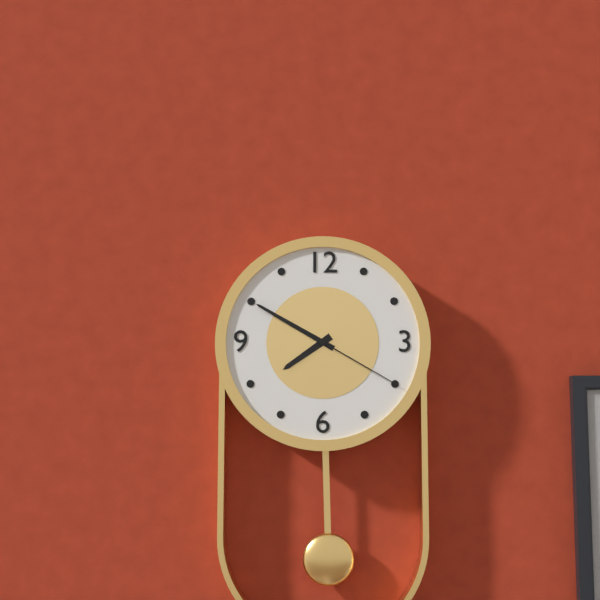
**7:50:20**
